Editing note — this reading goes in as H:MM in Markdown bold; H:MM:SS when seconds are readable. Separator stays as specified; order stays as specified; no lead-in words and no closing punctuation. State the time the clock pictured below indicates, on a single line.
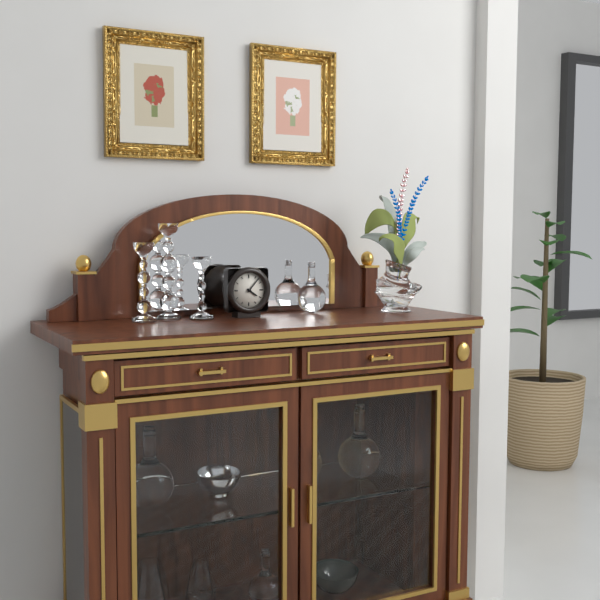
**4:07**
